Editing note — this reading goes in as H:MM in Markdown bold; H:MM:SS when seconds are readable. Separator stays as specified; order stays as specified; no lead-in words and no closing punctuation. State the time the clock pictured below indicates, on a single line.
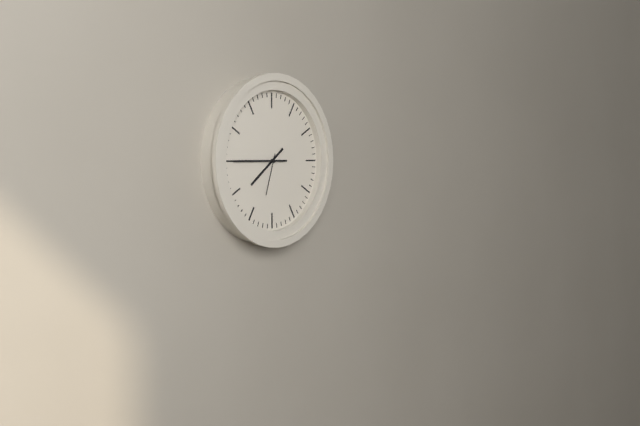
**7:45**
